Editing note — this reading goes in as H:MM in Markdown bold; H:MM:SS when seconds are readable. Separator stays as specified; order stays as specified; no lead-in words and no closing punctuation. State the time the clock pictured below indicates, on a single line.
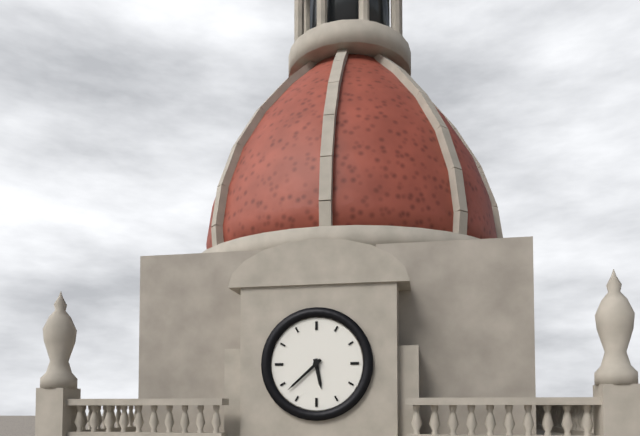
**5:38**
